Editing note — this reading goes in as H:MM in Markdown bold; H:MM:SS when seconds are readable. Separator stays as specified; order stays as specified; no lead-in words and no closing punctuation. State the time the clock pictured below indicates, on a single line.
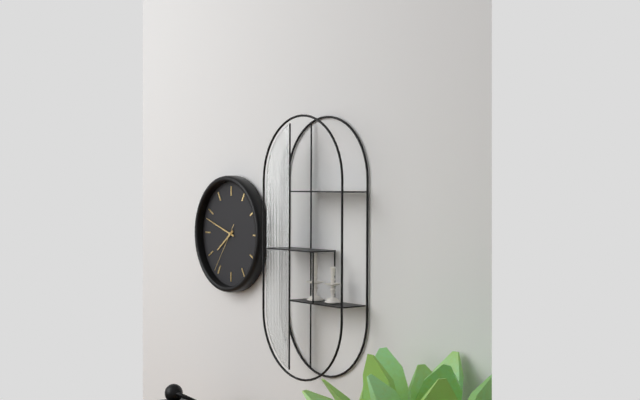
**7:48:36**
